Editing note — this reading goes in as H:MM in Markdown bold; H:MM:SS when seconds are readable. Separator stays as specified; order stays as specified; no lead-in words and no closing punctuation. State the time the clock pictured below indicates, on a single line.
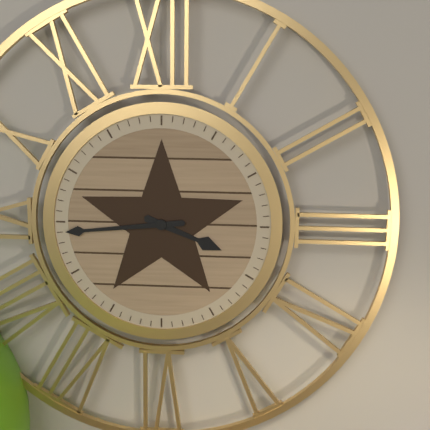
**3:44**
